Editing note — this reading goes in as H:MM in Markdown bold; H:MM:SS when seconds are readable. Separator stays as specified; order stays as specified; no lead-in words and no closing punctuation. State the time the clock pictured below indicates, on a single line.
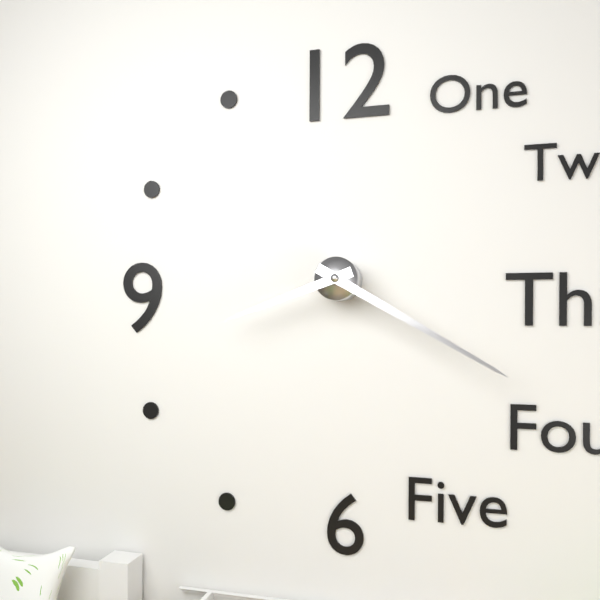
**8:20**
